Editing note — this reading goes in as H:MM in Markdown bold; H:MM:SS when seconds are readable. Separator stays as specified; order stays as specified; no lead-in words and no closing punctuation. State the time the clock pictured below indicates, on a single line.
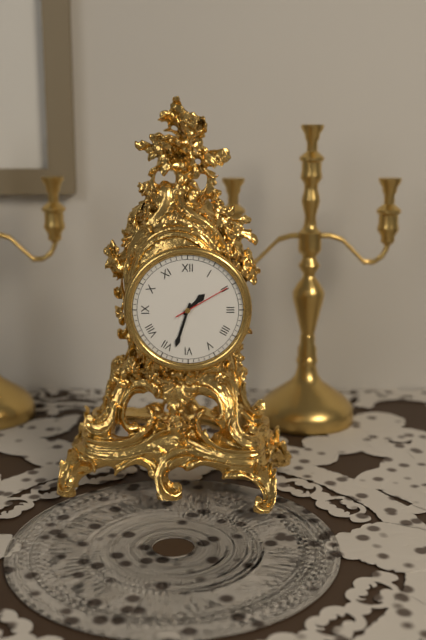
**1:33:10**
